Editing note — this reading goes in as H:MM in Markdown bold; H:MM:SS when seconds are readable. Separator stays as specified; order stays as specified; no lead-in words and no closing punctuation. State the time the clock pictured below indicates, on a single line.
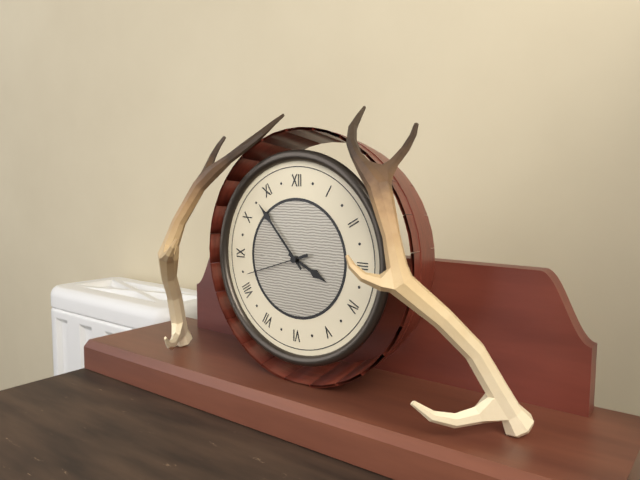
**3:53:42**
